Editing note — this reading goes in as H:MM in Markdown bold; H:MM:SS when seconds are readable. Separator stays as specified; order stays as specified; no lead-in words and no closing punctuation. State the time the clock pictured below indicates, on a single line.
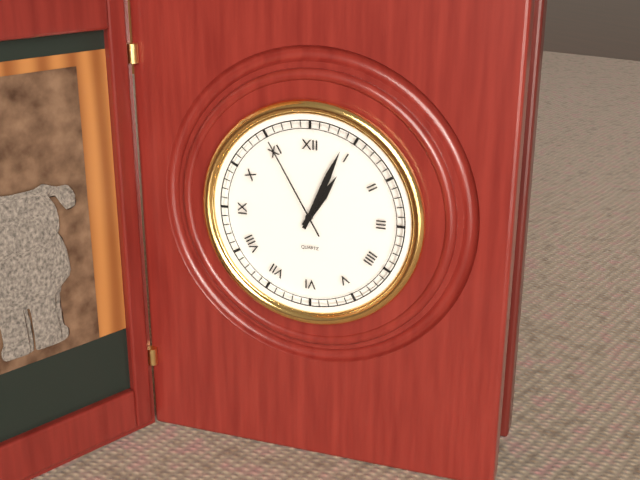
**1:04:55**
